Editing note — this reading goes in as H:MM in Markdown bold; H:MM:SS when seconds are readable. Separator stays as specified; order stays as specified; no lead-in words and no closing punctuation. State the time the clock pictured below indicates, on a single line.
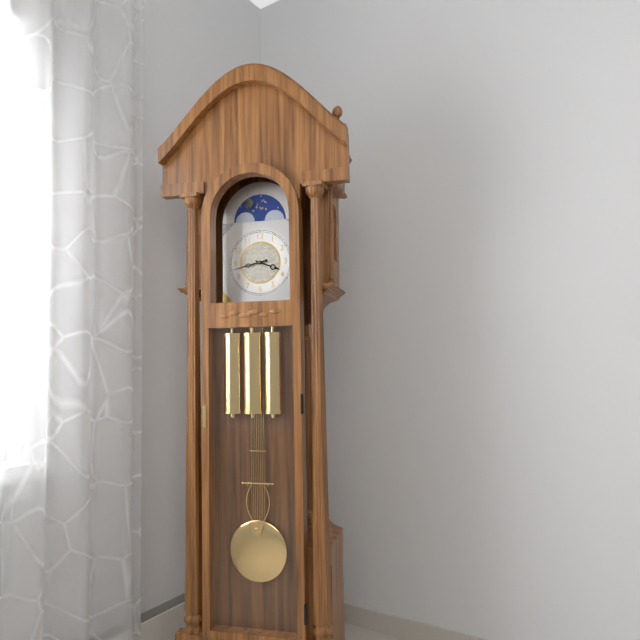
**3:43**
